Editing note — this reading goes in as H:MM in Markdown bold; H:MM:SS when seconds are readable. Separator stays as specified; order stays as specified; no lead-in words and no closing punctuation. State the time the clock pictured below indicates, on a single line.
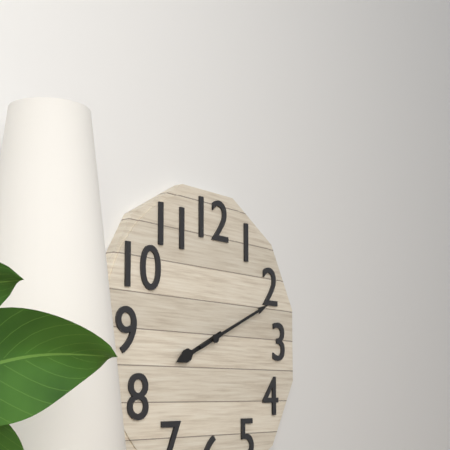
**8:11**
